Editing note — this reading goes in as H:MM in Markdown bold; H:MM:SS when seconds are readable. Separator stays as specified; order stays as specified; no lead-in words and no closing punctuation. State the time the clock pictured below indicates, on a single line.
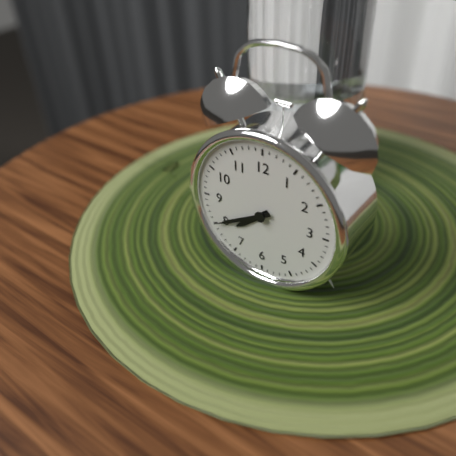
**7:40**
